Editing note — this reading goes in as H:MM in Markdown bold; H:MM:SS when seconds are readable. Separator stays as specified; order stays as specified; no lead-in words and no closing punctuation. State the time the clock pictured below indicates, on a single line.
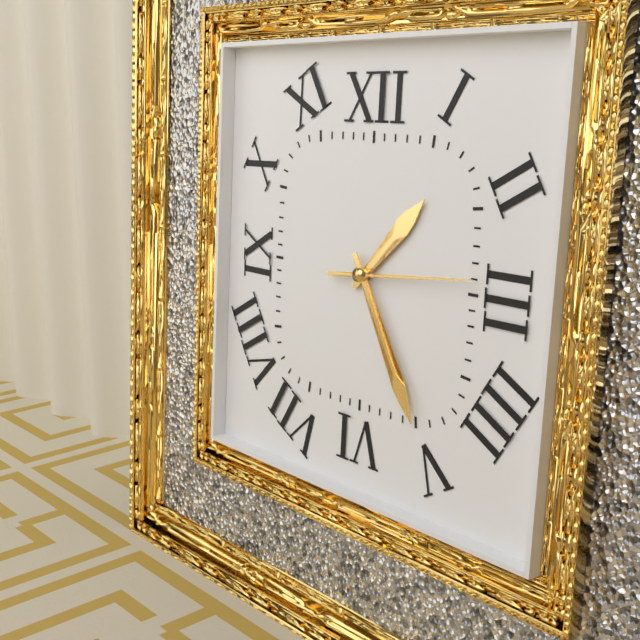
**1:25:14**
